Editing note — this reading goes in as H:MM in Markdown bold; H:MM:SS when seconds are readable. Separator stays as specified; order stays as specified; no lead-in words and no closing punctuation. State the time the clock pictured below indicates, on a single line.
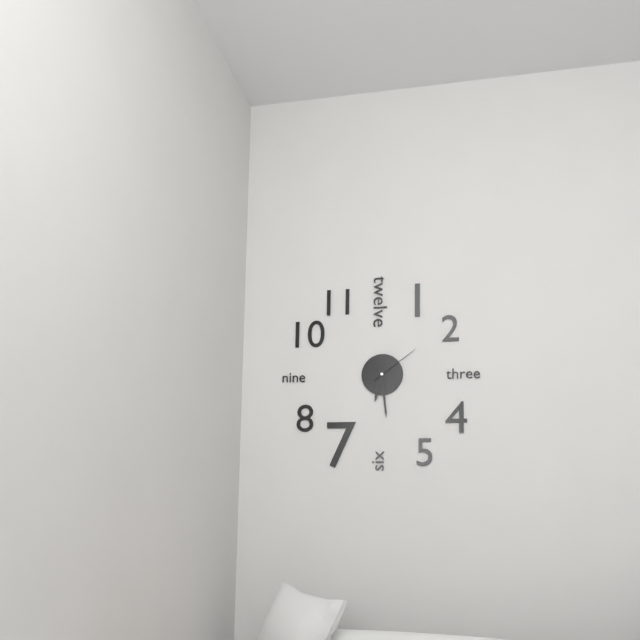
**6:29:09**
